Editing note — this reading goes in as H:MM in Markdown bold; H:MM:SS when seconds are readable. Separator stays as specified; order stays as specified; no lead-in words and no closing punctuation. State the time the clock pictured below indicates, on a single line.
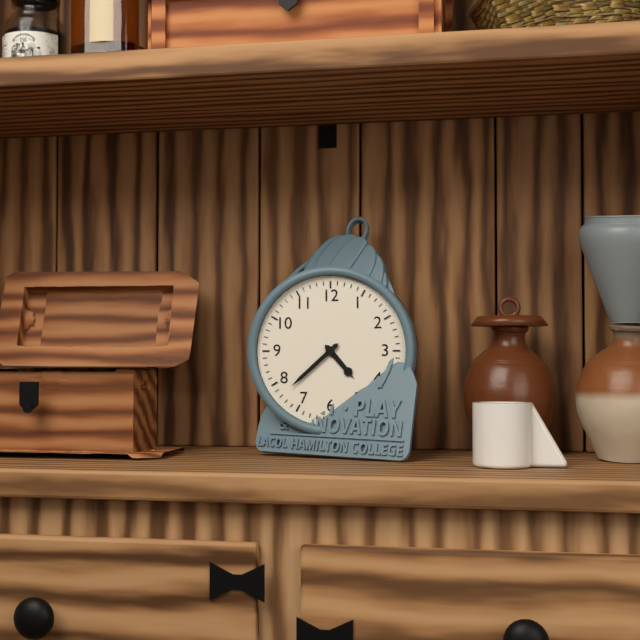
**4:38**
